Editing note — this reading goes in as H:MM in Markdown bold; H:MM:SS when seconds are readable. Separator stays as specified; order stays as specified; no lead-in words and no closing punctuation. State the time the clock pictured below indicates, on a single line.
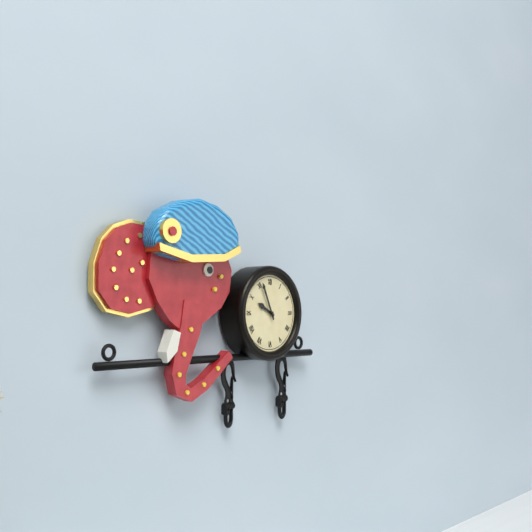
**9:56**
